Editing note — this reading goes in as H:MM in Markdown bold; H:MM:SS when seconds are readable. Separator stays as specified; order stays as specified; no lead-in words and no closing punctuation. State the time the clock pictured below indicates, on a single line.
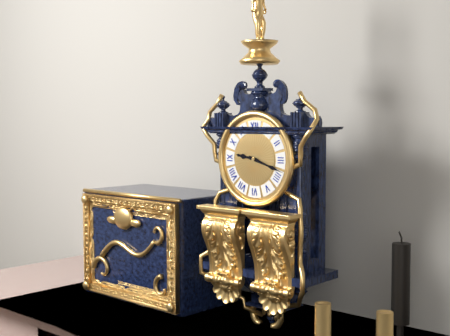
**9:18**
